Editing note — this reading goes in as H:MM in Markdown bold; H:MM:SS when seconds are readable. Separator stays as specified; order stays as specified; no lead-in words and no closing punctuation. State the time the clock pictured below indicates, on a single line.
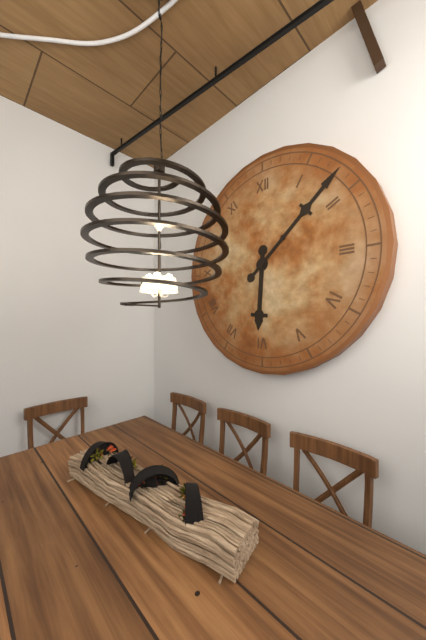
**6:08**
